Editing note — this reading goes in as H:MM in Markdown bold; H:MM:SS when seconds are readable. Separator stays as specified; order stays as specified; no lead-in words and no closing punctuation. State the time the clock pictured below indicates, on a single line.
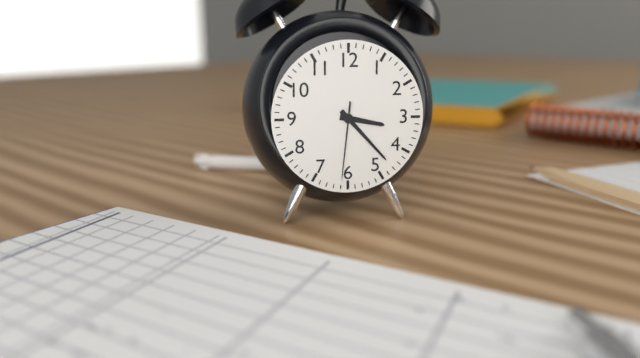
**3:23:31**
